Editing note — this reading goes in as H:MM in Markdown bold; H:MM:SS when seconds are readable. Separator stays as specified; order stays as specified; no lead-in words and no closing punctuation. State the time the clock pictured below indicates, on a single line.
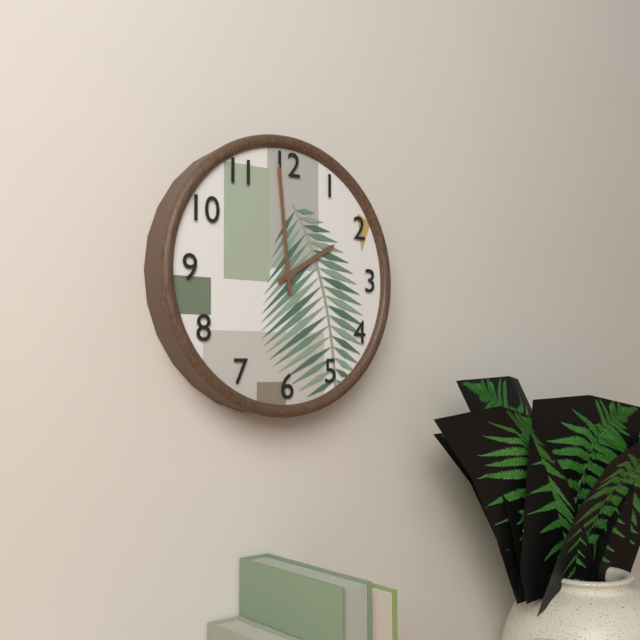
**1:59**
